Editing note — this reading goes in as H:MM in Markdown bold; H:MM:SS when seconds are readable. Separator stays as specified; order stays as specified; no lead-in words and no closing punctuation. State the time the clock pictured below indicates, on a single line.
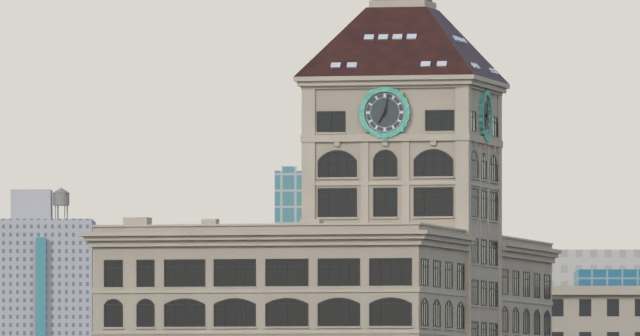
**7:02**
